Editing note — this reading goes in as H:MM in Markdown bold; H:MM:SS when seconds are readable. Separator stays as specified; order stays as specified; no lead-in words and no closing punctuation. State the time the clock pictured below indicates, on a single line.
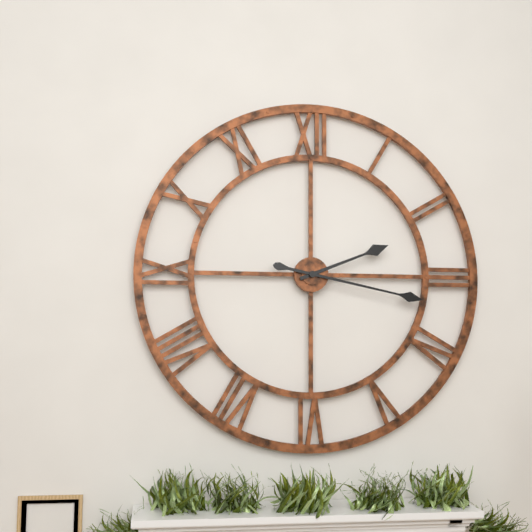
**2:17**
